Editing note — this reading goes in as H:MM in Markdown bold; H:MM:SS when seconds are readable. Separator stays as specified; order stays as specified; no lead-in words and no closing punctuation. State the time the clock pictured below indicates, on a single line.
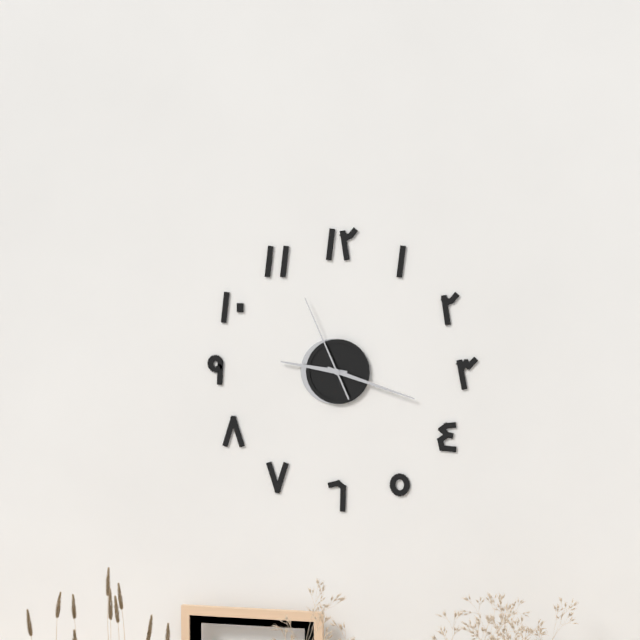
**9:18:56**
